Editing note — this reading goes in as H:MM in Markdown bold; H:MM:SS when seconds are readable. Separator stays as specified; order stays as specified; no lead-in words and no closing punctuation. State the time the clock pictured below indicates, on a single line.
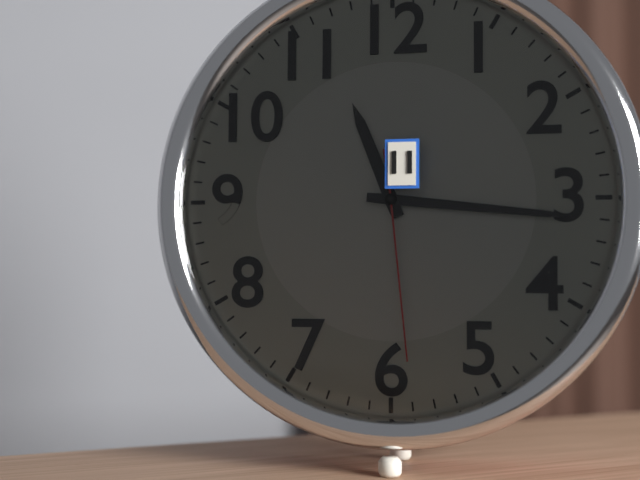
**11:16:29**
